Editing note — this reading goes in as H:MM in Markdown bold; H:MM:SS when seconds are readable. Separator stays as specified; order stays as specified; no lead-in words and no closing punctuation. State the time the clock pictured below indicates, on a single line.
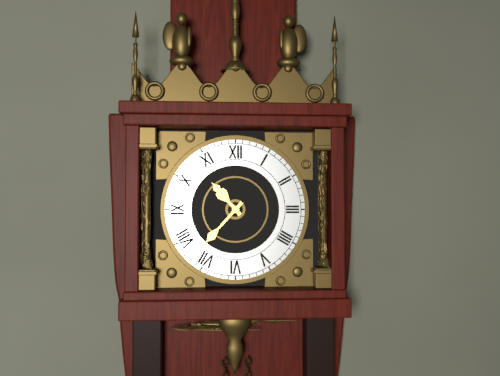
**10:37**
